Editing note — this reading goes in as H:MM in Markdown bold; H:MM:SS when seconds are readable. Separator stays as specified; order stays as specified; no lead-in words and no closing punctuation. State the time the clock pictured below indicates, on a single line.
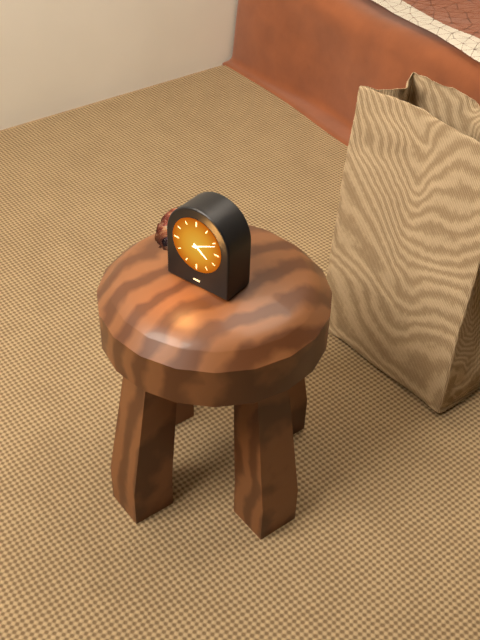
**4:11**
